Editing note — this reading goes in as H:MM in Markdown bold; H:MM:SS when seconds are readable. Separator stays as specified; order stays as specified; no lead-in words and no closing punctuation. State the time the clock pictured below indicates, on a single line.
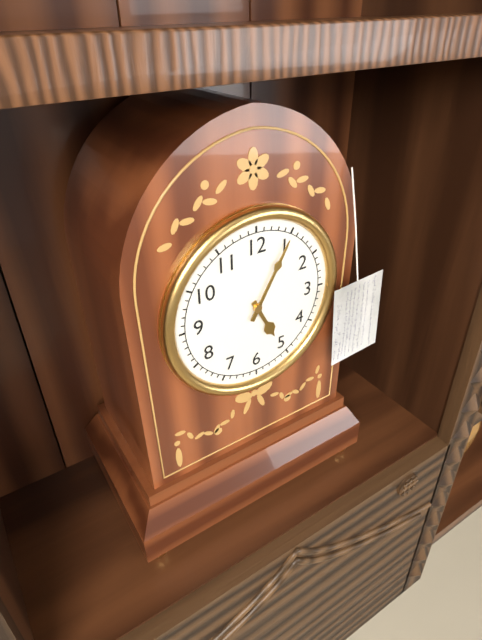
**5:05**
